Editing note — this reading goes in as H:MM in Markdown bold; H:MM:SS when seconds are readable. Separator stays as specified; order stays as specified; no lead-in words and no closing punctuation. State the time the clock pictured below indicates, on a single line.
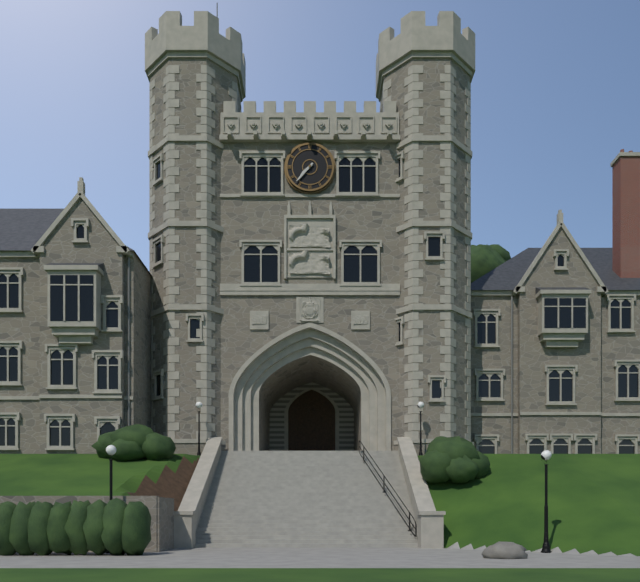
**7:37**
